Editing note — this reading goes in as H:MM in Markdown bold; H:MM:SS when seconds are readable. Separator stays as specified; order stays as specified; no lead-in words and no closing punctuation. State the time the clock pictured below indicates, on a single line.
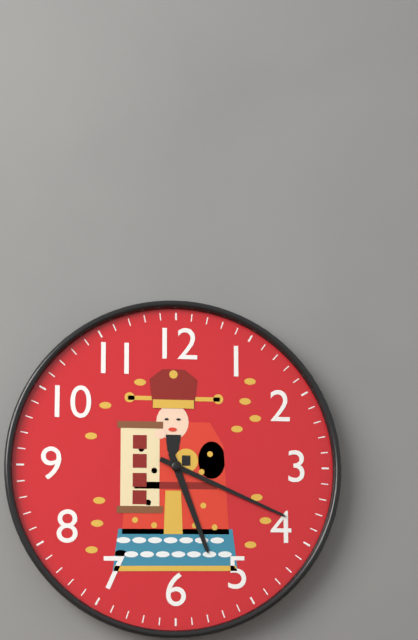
**5:19**
